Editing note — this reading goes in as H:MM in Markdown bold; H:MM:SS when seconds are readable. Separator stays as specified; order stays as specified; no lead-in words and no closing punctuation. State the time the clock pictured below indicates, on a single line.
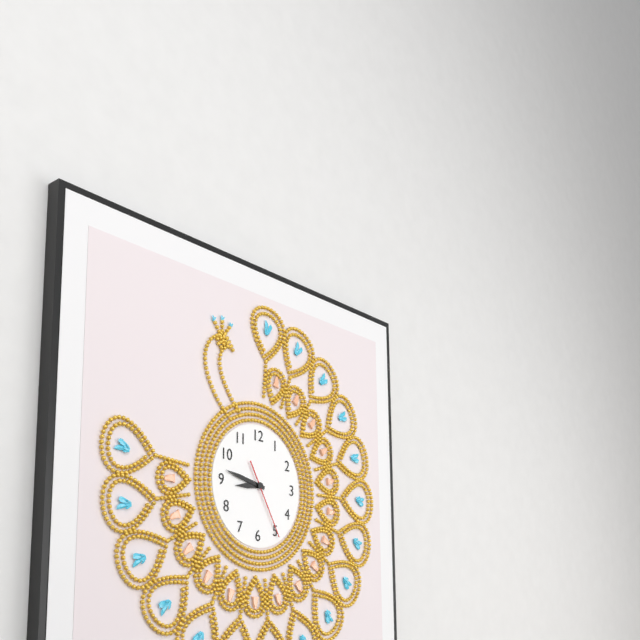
**8:47:25**
